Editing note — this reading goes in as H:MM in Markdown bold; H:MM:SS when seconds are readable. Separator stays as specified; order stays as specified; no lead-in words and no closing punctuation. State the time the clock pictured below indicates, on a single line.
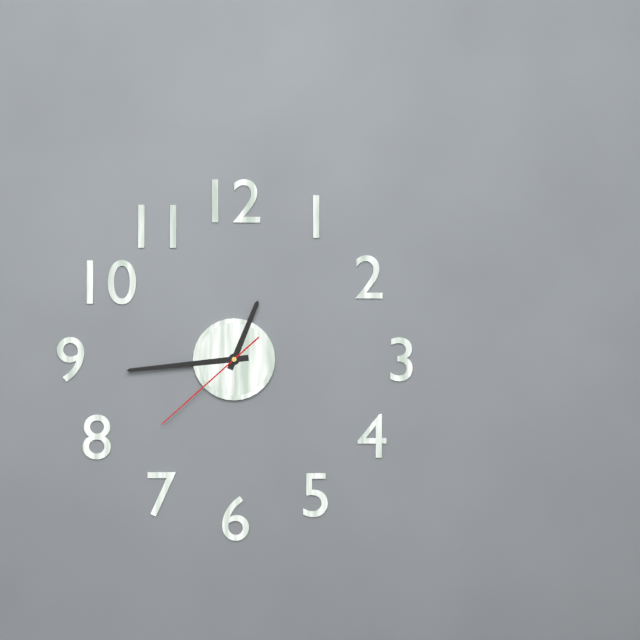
**12:44:38**
